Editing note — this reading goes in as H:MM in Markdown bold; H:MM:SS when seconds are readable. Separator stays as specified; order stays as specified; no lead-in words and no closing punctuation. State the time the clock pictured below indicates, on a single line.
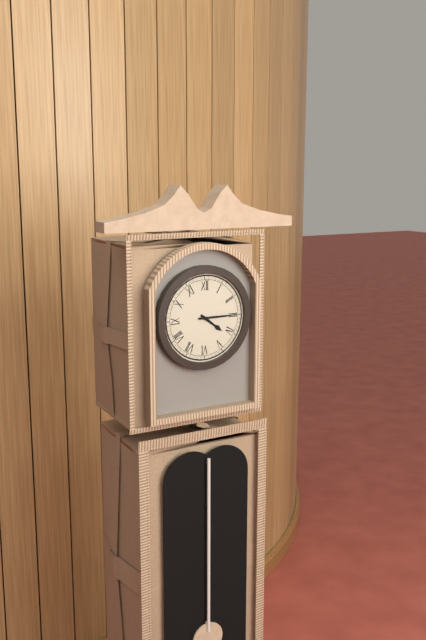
**4:15**
